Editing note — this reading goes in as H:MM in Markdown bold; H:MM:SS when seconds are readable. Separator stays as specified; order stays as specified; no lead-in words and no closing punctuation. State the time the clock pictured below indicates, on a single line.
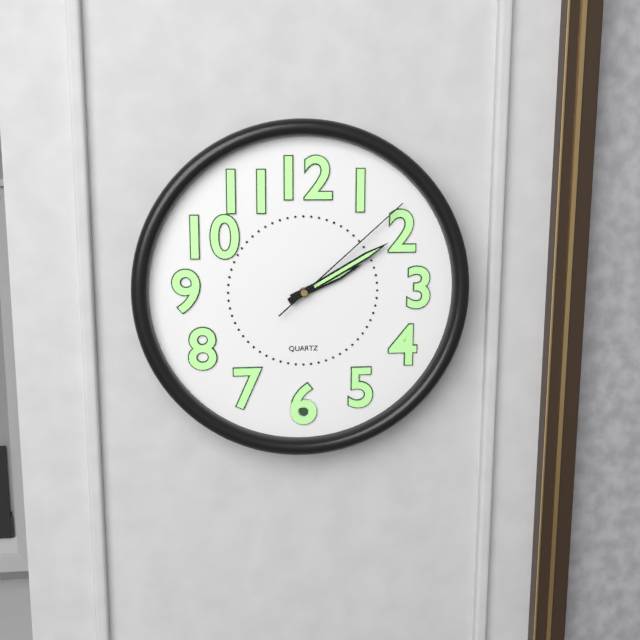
**2:10:08**
